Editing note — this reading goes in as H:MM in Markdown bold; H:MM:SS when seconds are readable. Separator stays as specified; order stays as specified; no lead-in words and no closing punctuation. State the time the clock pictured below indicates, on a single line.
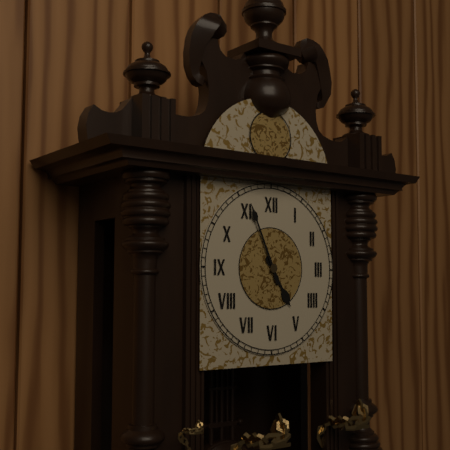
**4:56**
